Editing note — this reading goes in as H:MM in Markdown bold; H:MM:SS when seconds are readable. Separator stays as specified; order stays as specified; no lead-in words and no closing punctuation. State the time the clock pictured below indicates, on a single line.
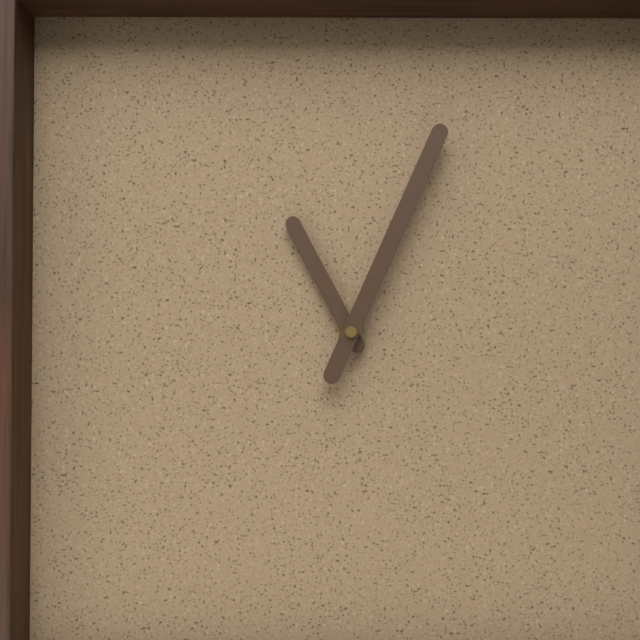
**11:04**
